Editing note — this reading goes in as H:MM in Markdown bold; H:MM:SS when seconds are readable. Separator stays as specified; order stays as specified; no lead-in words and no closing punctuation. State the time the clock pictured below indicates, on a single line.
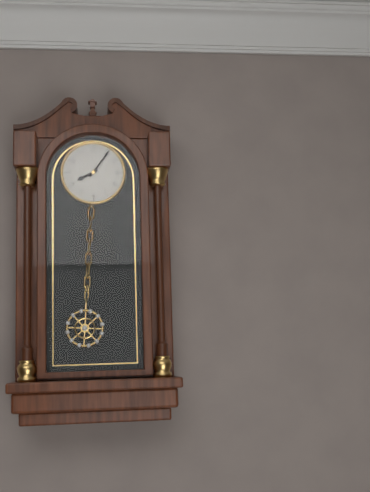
**8:06**
